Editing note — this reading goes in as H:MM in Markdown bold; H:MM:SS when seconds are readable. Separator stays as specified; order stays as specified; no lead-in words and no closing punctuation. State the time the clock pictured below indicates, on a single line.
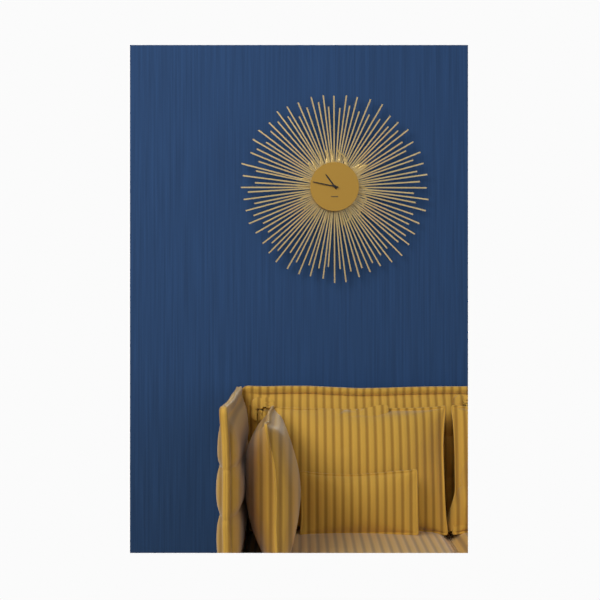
**10:47**
